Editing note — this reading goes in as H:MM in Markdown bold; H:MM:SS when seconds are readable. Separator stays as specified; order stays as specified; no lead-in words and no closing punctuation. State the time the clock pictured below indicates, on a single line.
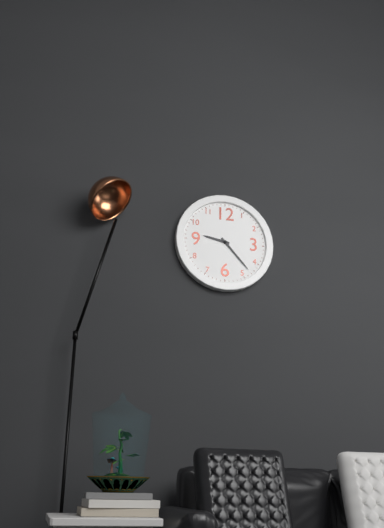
**9:23**
